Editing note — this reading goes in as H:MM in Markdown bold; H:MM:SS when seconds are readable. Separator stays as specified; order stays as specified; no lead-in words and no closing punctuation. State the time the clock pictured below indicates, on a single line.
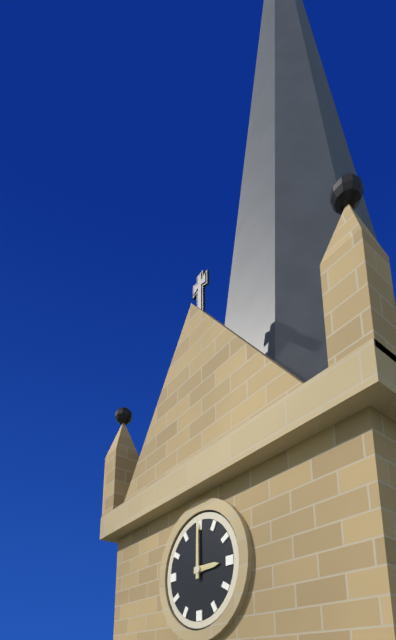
**3:00**
